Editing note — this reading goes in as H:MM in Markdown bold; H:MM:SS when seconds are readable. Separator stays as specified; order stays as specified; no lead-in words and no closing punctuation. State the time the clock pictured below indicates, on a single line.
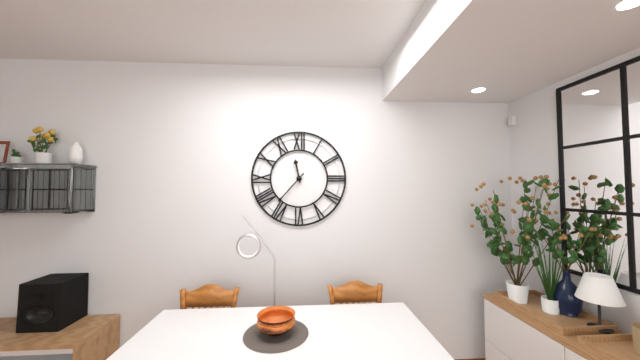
**11:37**
